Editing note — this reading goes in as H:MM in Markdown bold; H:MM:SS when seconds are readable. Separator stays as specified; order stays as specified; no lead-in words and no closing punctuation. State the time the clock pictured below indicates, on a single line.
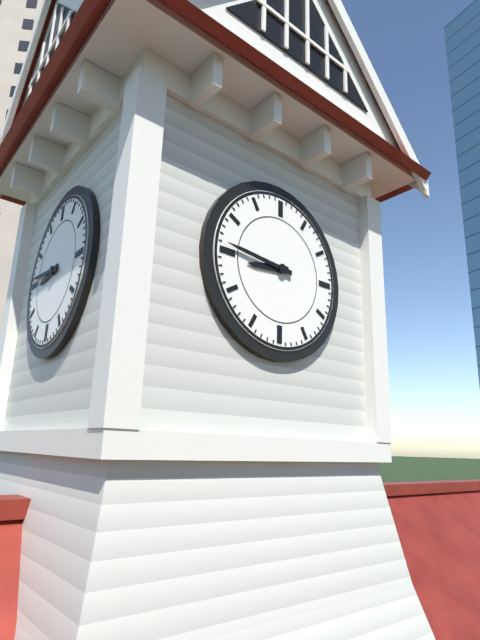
**8:46**
